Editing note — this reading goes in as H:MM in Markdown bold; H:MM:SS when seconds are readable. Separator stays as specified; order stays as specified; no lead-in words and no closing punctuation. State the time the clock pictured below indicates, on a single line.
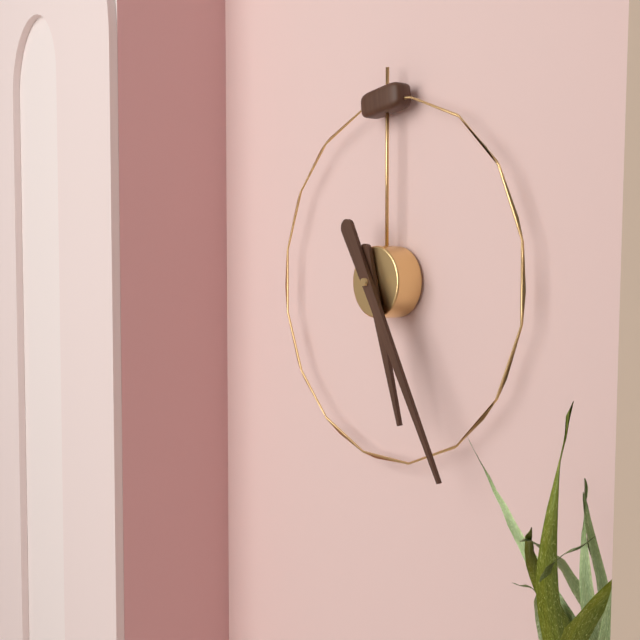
**5:25**
